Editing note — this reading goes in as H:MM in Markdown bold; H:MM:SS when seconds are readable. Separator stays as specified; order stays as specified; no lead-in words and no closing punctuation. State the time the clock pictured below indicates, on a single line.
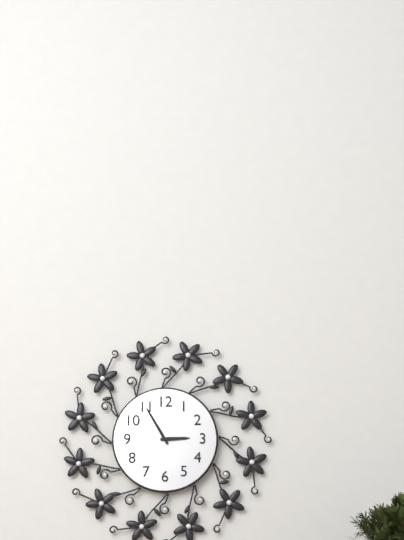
**2:55**
